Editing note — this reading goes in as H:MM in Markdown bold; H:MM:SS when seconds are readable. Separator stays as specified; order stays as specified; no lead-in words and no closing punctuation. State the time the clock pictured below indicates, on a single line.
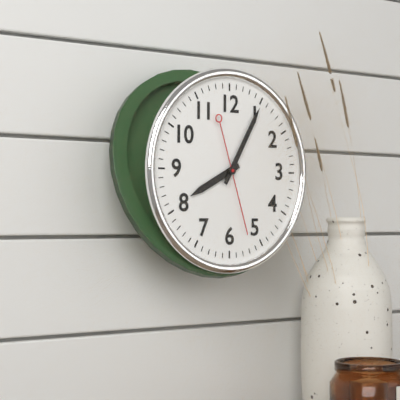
**8:05:27**
